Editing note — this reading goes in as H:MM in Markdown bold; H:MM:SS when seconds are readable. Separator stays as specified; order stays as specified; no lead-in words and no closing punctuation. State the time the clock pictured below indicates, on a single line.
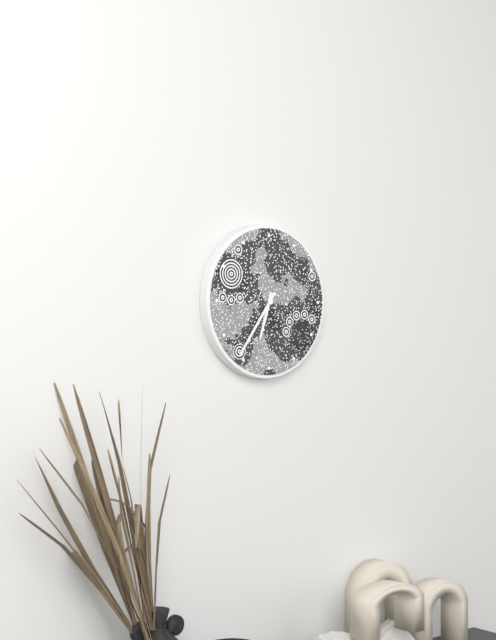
**6:36**
